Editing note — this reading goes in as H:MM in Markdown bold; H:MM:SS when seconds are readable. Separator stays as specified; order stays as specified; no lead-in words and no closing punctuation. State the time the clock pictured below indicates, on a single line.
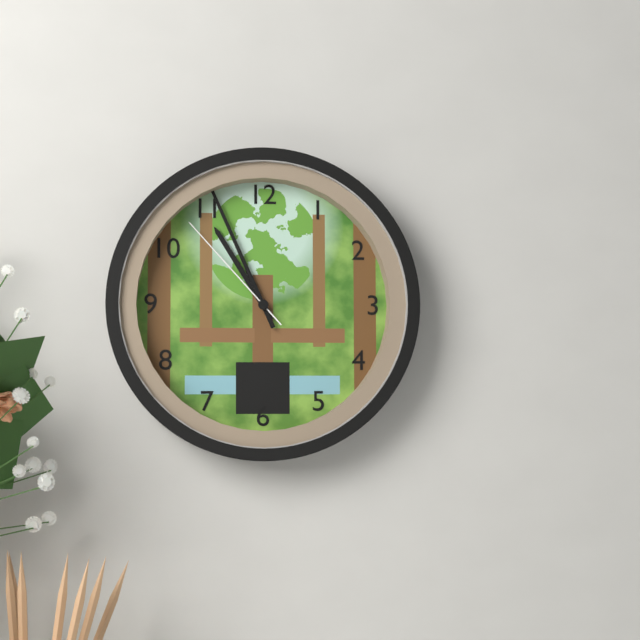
**10:56:53**
